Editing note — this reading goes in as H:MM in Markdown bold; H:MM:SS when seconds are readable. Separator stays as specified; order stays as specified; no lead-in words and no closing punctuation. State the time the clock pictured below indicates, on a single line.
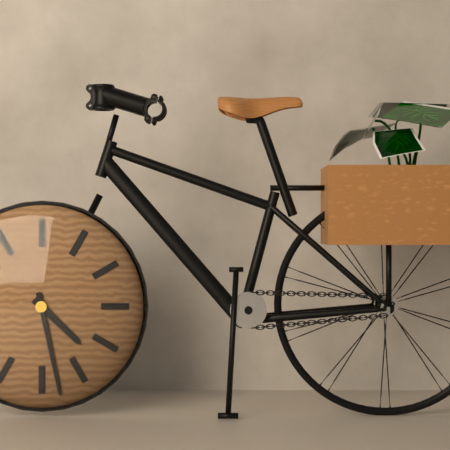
**4:28**
